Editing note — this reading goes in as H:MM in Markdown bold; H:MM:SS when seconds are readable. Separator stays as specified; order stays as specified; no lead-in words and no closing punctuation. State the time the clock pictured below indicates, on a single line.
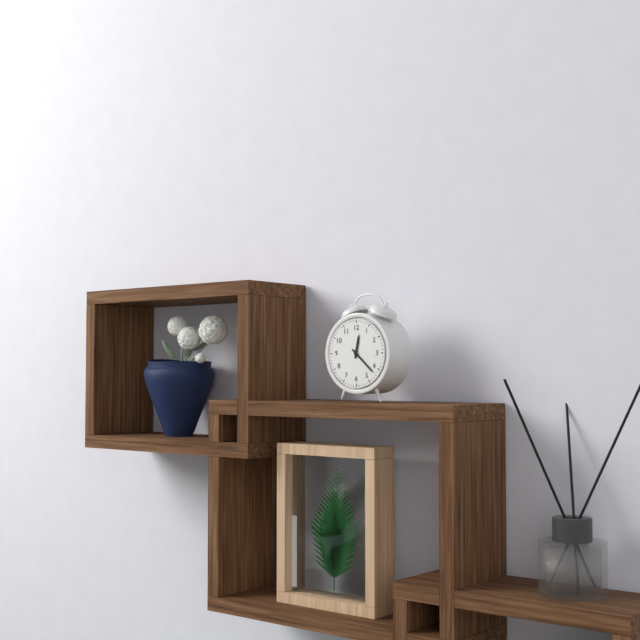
**12:22**
